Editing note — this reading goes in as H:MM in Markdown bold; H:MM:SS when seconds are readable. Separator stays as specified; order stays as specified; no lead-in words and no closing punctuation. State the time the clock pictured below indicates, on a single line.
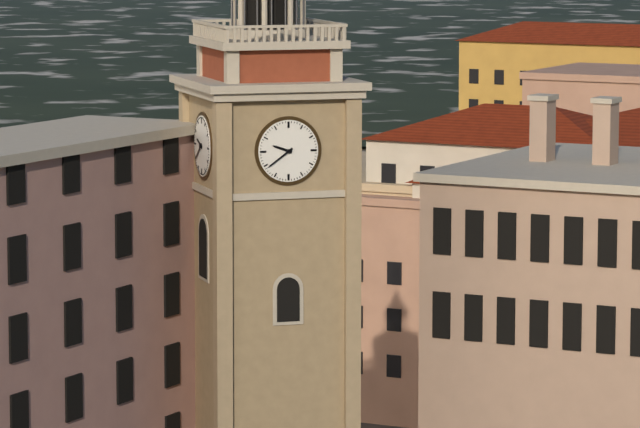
**9:39**
